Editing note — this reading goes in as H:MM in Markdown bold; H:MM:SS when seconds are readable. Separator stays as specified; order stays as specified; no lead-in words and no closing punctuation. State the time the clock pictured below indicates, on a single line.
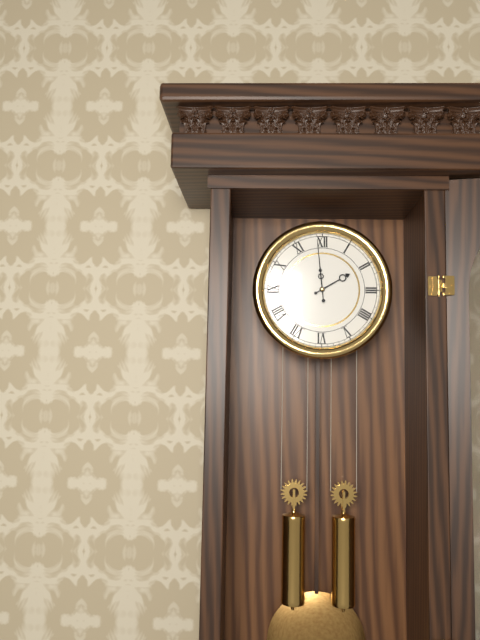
**1:59**
